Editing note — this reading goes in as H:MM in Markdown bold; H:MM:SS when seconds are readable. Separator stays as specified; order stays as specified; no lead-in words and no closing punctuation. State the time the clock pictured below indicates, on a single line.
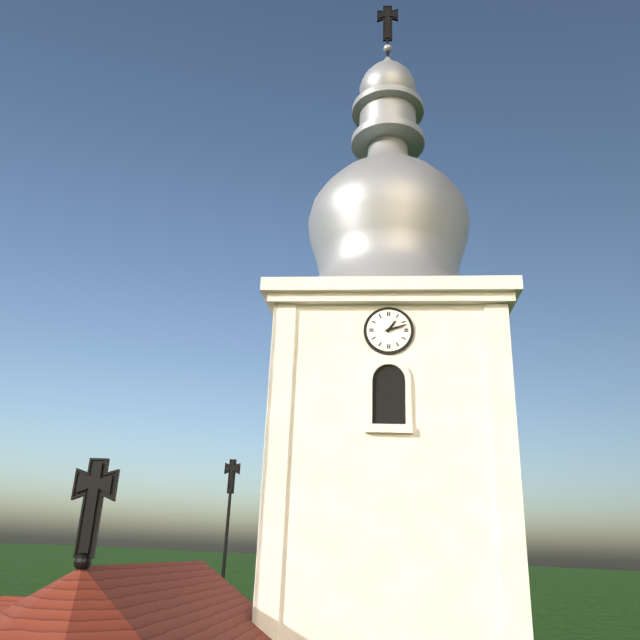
**1:12**
